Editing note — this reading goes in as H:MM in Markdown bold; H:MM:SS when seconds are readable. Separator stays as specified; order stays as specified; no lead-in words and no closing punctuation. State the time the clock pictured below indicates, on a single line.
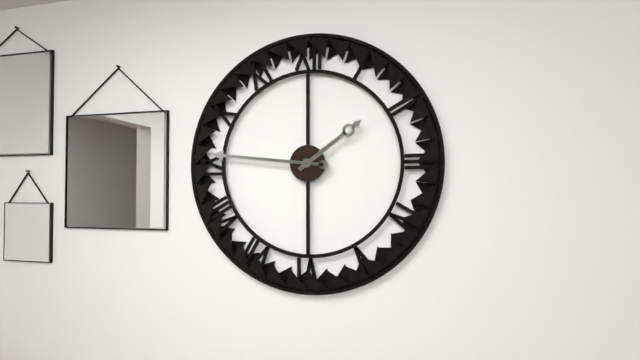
**1:46**
